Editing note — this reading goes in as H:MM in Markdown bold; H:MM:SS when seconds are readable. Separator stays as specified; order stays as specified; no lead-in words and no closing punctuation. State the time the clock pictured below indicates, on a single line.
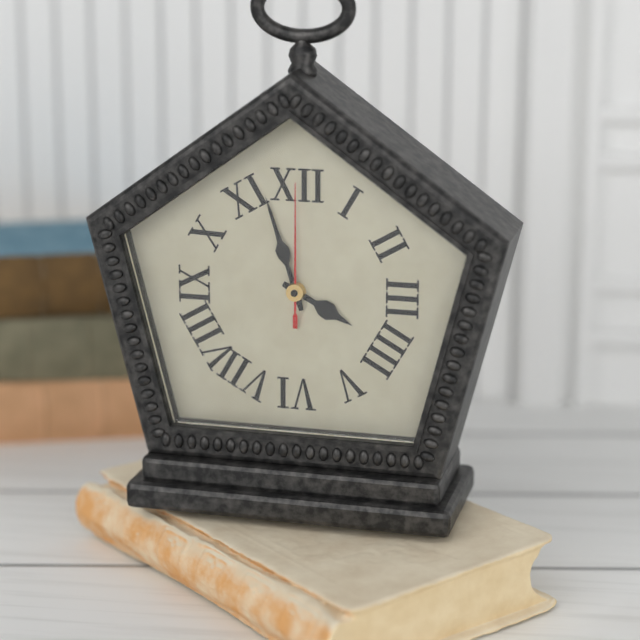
**3:57:00**
